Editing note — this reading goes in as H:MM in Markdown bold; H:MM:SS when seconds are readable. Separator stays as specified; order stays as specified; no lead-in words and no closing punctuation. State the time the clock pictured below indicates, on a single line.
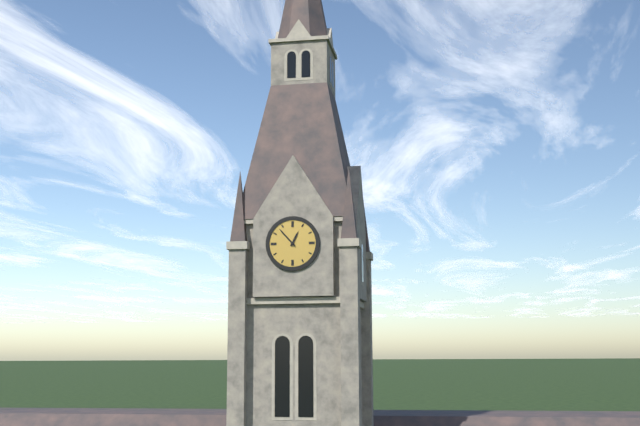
**12:53**
